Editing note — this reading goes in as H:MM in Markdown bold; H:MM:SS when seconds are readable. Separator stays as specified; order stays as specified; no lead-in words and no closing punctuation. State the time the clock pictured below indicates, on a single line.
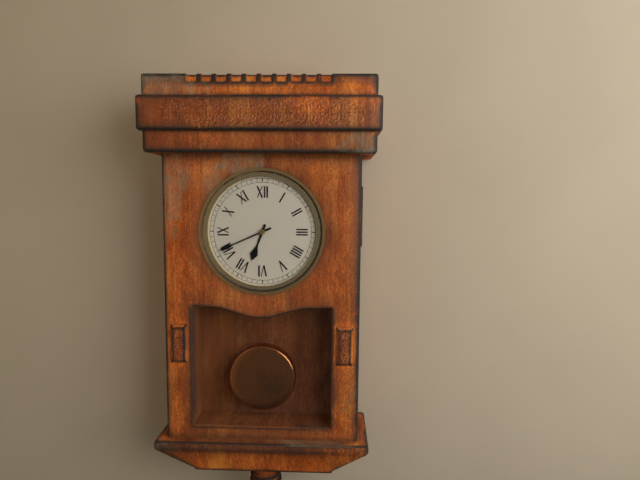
**6:41**
